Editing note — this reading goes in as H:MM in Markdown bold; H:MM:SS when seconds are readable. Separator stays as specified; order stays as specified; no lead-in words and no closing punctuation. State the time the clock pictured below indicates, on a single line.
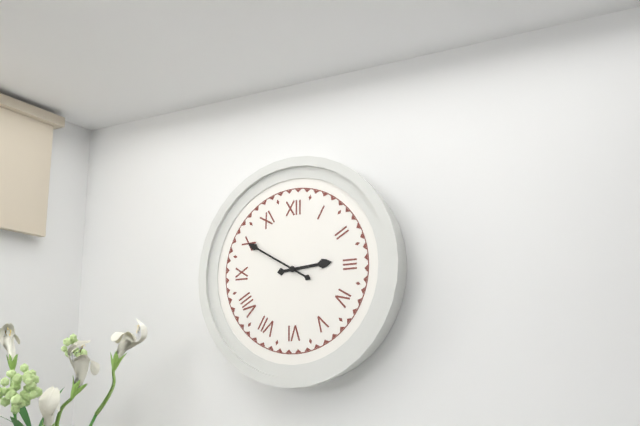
**2:50**
